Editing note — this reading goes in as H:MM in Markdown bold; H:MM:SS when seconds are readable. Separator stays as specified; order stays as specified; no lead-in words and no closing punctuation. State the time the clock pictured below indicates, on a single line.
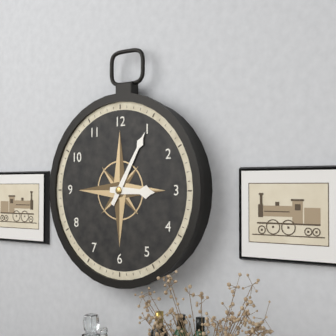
**3:05**
